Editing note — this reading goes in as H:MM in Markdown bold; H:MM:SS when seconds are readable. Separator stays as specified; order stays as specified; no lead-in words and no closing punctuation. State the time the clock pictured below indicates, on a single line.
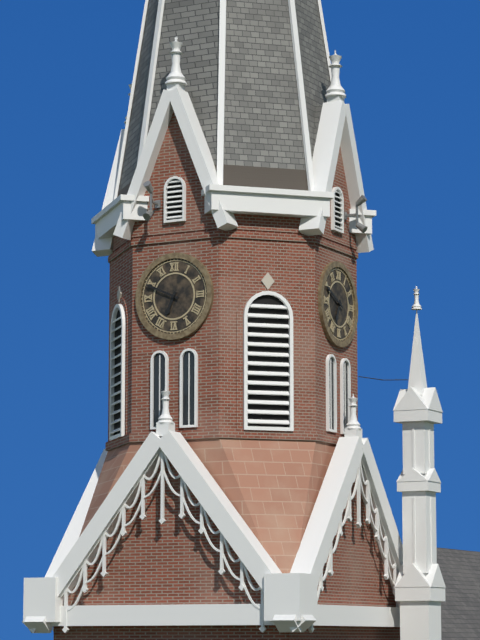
**6:49**
